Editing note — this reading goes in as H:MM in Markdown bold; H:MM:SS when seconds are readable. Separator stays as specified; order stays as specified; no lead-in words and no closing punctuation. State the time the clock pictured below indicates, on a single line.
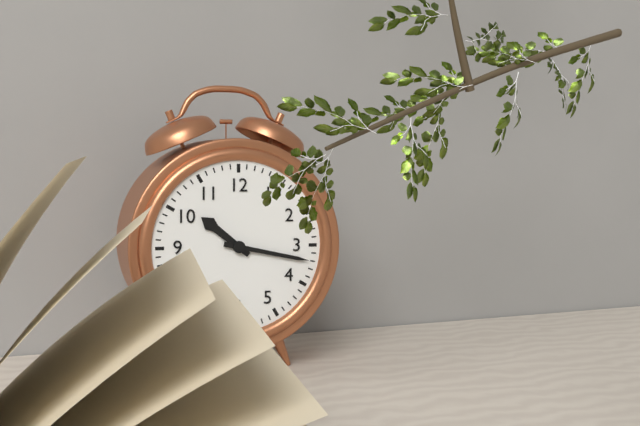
**10:17**
